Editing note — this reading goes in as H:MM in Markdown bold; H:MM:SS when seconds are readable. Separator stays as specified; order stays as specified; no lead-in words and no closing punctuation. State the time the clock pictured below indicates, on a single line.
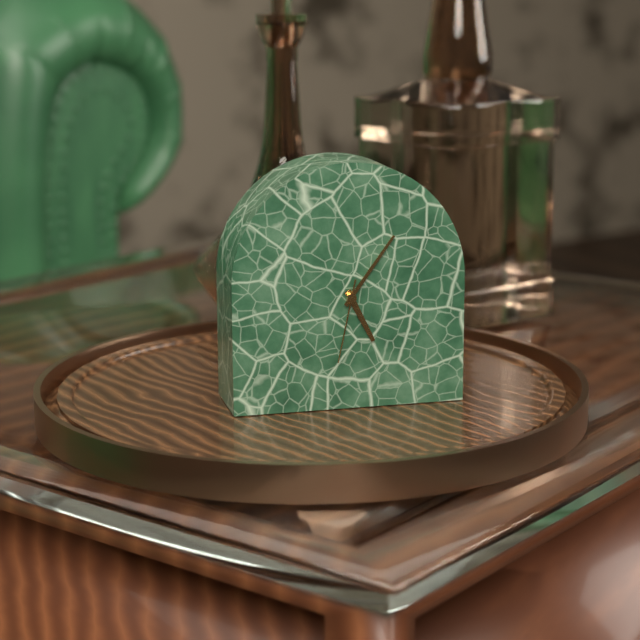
**5:06:32**
